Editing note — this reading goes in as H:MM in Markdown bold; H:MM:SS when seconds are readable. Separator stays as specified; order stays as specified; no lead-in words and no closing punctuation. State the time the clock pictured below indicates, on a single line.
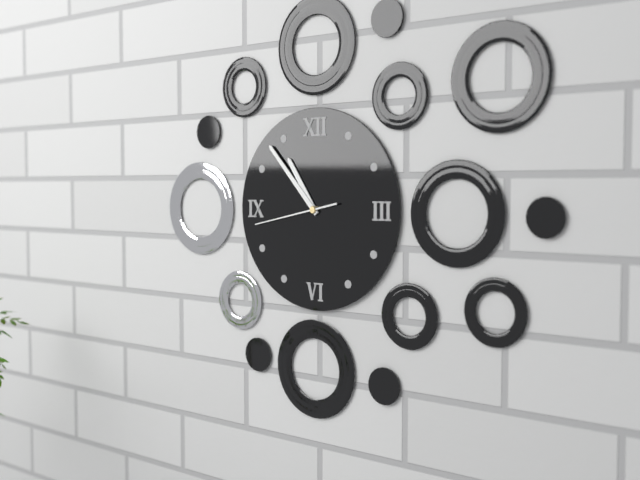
**10:53:43**
